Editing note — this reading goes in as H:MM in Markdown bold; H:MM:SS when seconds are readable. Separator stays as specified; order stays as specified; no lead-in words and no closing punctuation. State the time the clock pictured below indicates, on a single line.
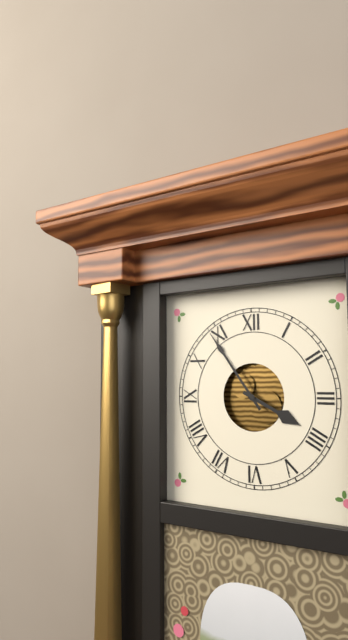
**3:54**
